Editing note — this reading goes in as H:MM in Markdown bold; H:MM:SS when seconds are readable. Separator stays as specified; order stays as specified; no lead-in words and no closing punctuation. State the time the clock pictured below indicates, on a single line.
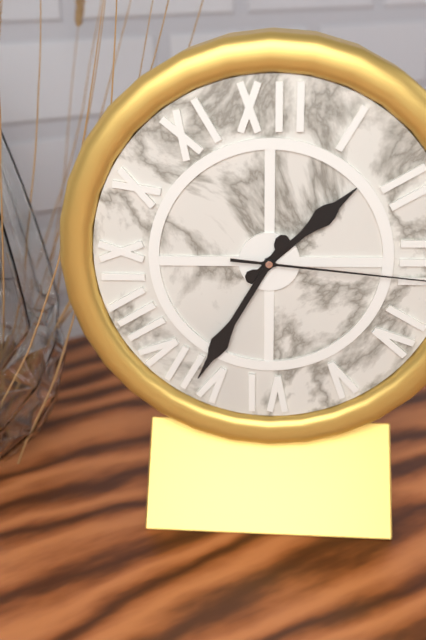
**1:35**
